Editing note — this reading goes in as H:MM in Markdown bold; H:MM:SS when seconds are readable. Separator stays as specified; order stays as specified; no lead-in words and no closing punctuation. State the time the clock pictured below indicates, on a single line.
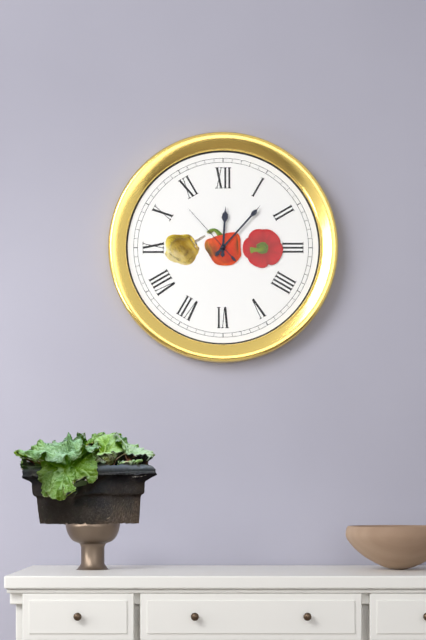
**12:07:53**
